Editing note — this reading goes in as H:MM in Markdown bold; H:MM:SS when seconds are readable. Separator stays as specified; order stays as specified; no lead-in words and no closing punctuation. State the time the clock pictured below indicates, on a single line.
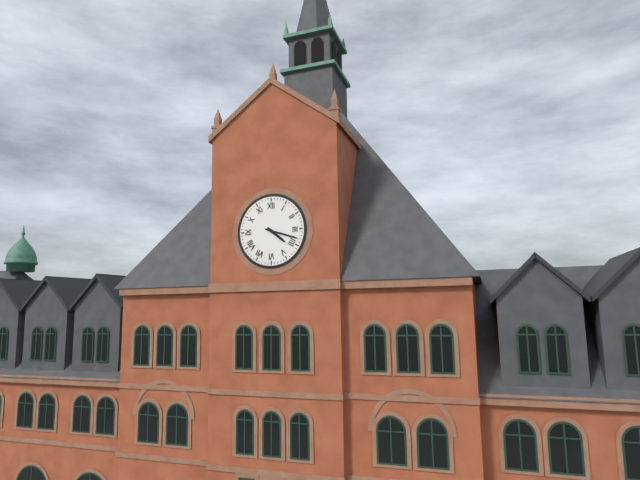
**4:18**
